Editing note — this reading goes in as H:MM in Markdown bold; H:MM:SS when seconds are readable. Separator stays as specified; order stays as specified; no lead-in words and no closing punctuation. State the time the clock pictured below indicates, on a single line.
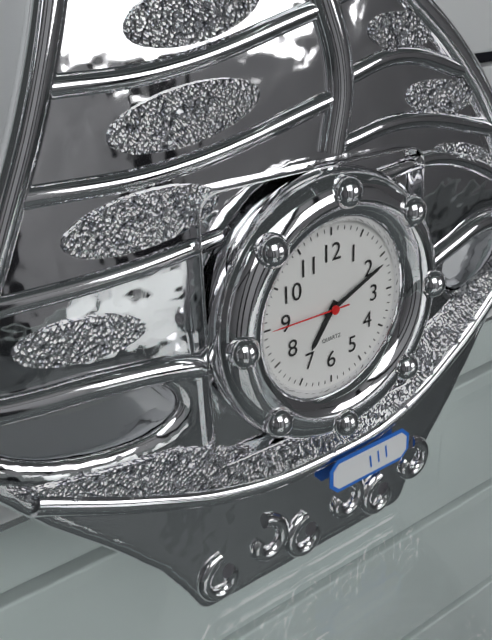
**7:11:45**
